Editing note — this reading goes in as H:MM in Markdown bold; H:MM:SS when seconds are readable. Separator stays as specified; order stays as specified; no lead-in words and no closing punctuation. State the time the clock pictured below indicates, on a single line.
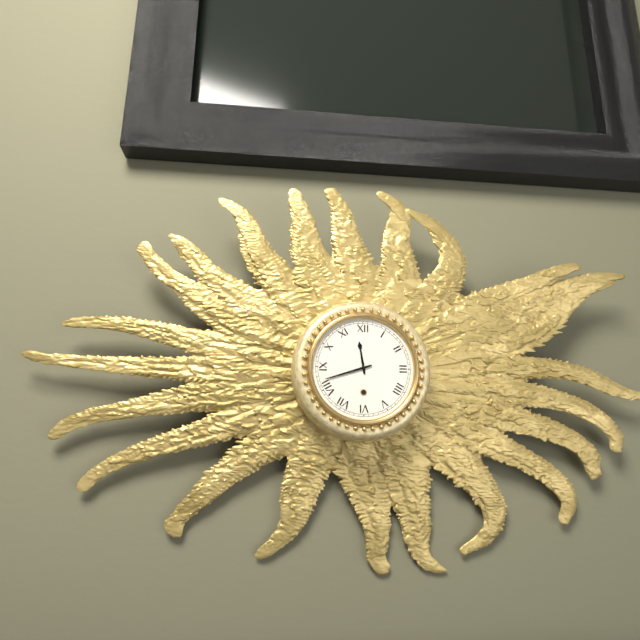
**11:42**
